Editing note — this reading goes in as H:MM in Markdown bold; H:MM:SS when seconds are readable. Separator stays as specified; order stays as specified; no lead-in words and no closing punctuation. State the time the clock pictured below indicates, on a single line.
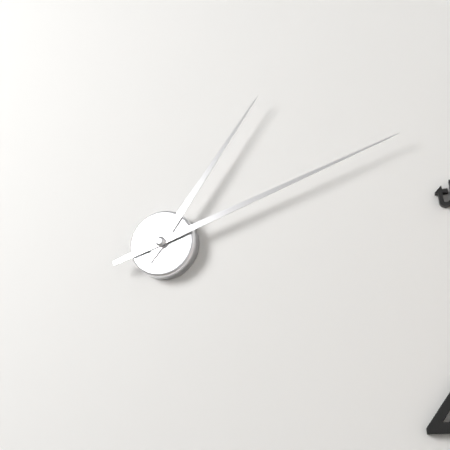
**1:12**
